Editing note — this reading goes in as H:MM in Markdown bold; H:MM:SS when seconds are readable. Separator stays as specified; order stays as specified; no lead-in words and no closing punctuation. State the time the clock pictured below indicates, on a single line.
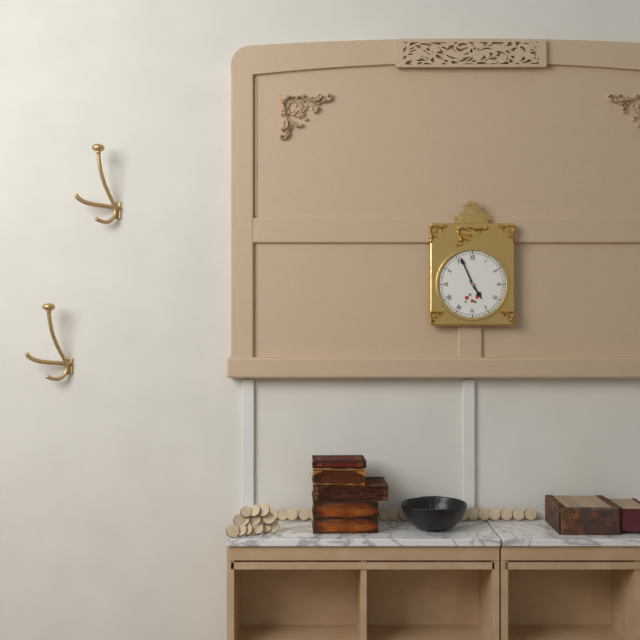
**4:56**
